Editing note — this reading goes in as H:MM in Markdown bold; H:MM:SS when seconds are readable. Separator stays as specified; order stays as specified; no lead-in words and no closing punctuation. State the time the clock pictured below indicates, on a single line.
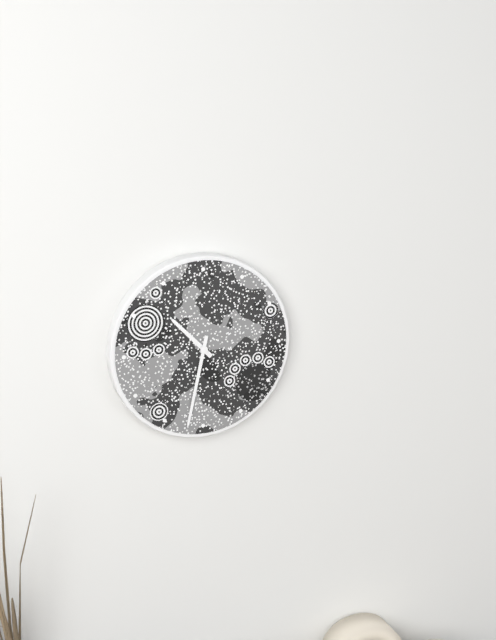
**10:32**
